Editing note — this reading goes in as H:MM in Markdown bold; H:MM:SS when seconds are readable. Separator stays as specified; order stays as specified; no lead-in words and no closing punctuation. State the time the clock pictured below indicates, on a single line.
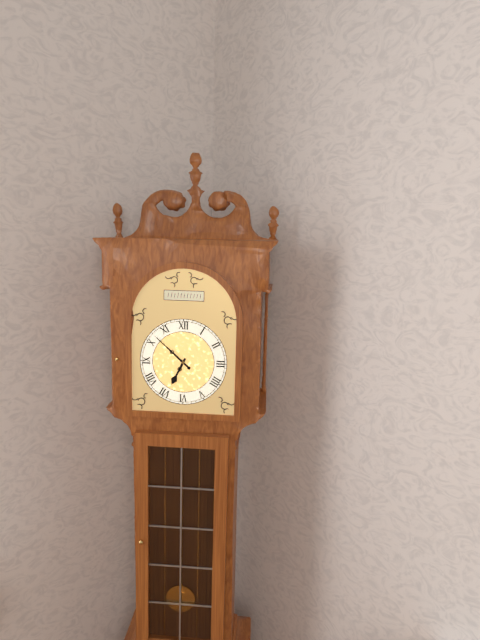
**6:52**
